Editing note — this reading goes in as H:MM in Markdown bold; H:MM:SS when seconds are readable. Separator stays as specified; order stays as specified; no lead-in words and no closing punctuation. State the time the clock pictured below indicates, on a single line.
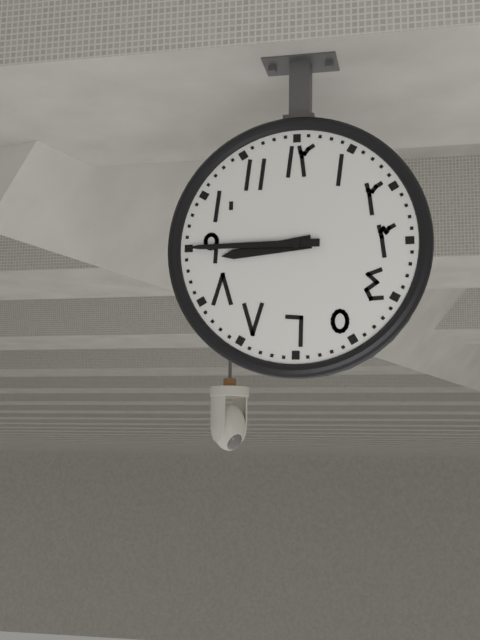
**8:45**
